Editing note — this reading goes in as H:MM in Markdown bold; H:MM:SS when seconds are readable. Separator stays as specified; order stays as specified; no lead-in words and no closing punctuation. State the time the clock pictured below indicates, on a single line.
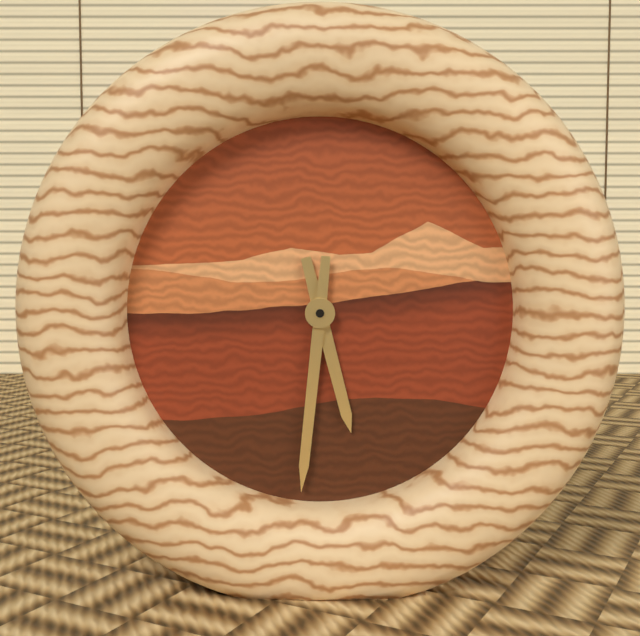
**5:31**
